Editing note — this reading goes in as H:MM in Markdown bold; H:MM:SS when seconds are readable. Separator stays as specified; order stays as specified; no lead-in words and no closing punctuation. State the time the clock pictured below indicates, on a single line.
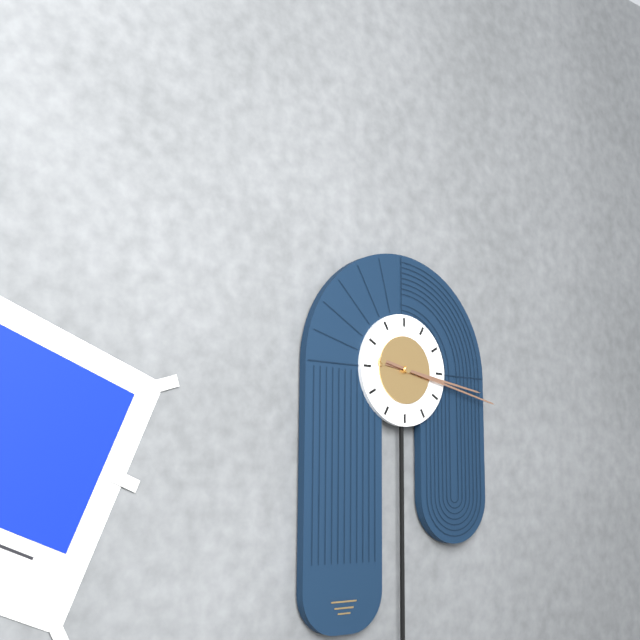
**3:17**
